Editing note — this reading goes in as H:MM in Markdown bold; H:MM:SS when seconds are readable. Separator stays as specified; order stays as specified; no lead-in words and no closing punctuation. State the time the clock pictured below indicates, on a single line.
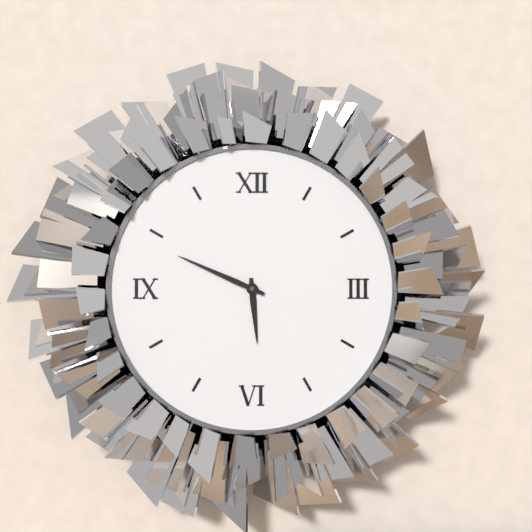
**5:49**
